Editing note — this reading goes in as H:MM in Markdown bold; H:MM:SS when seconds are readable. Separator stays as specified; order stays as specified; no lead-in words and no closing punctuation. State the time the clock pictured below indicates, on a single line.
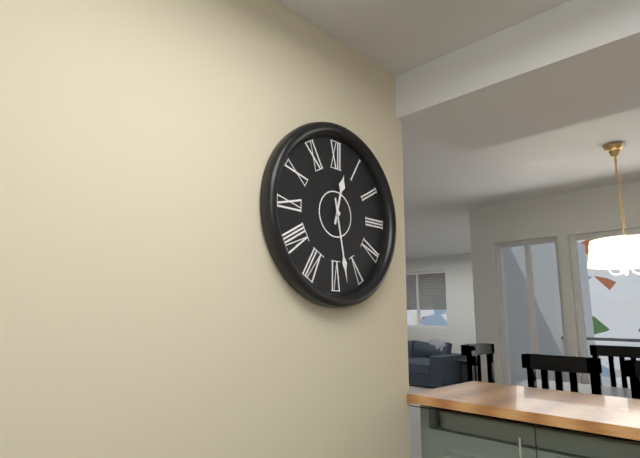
**12:28**
